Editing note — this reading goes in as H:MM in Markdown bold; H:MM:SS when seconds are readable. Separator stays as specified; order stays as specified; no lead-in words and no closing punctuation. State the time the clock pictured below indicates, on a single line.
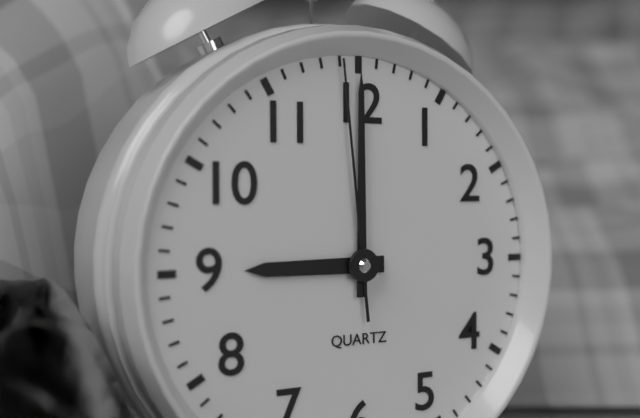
**9:00:59**
